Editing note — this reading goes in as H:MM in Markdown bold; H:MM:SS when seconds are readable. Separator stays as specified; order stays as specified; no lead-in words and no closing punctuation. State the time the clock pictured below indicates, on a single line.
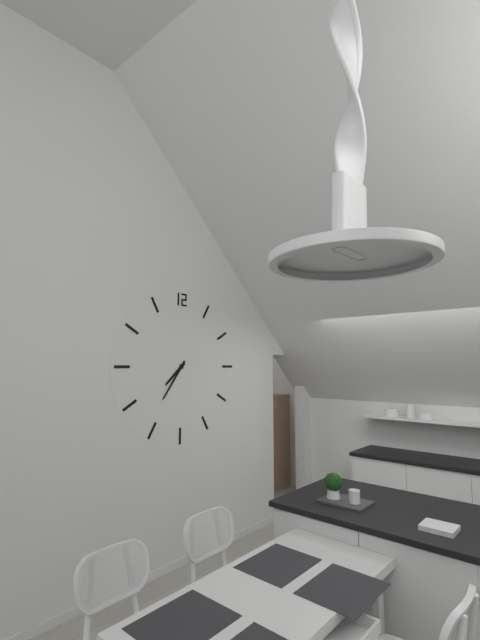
**7:36**
